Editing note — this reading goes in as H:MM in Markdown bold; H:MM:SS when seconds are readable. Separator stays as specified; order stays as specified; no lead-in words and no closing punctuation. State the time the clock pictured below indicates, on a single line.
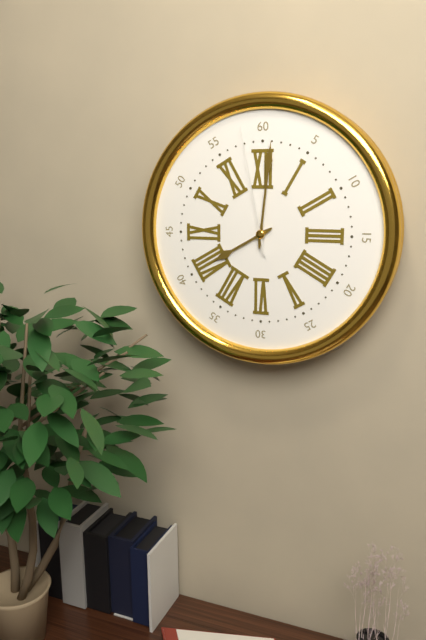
**8:01:58**
